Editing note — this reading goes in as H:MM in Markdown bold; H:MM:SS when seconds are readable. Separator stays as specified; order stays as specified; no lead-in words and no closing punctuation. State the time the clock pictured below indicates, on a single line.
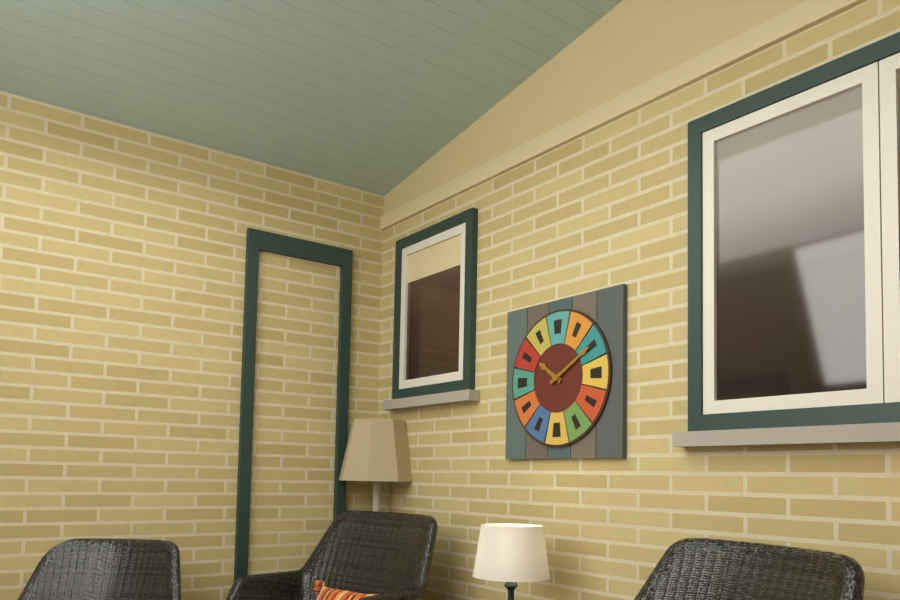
**10:10**
